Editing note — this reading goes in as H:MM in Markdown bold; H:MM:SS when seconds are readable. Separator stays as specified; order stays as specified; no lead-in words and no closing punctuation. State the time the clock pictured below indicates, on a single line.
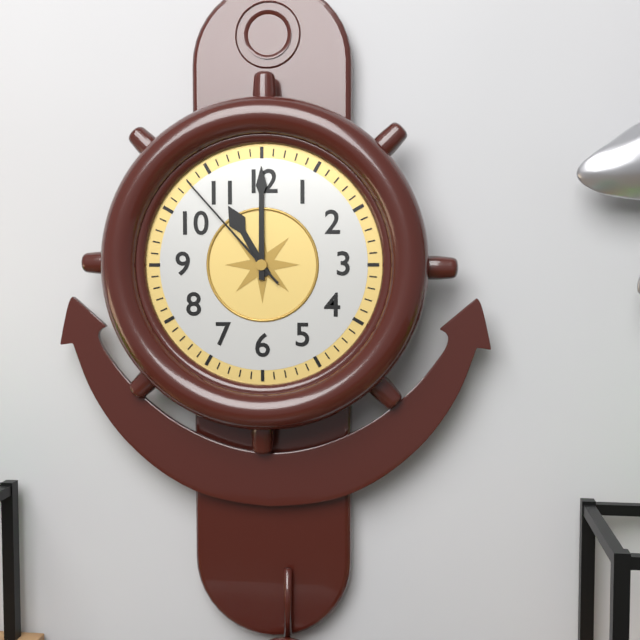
**11:00:53**
